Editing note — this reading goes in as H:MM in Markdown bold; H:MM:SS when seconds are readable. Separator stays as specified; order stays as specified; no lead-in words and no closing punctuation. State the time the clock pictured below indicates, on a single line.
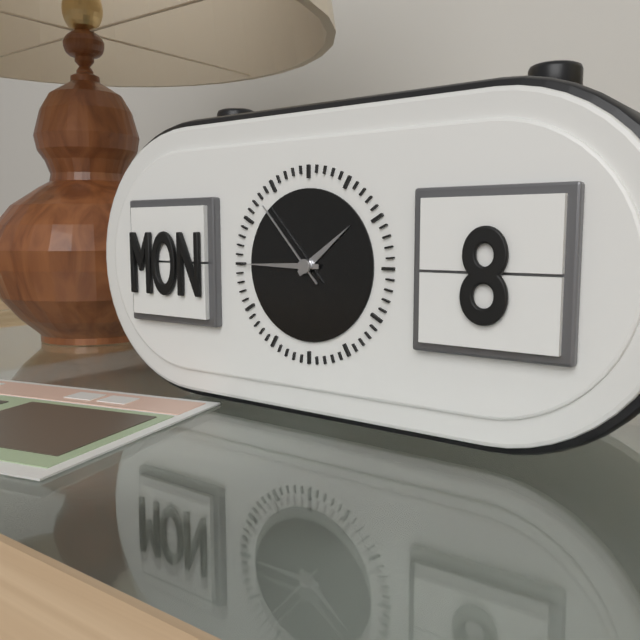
**1:45:53**
